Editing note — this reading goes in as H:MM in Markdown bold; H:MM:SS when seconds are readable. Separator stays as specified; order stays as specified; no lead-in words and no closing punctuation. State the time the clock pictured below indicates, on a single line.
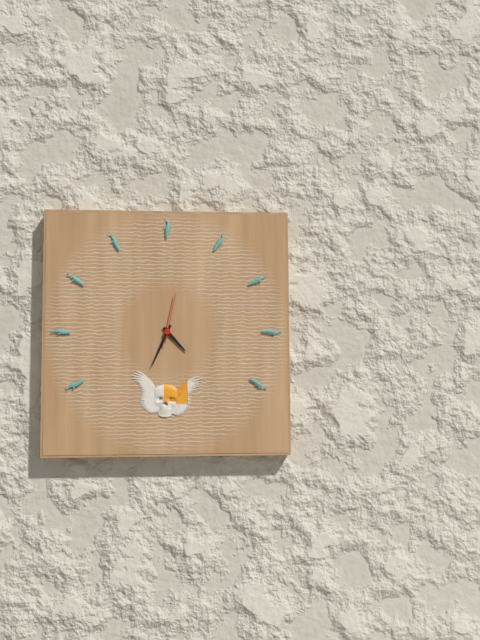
**4:34**
